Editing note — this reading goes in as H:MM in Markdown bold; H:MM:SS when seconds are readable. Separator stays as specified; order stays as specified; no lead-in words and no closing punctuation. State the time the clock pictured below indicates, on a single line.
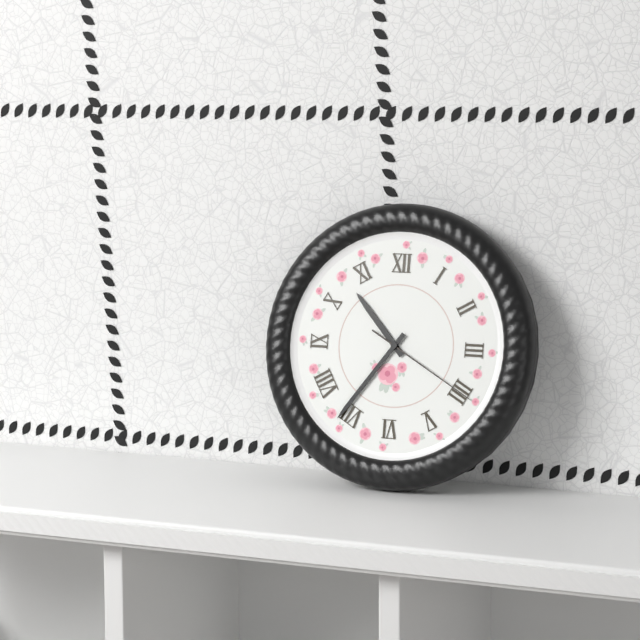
**10:36:20**
